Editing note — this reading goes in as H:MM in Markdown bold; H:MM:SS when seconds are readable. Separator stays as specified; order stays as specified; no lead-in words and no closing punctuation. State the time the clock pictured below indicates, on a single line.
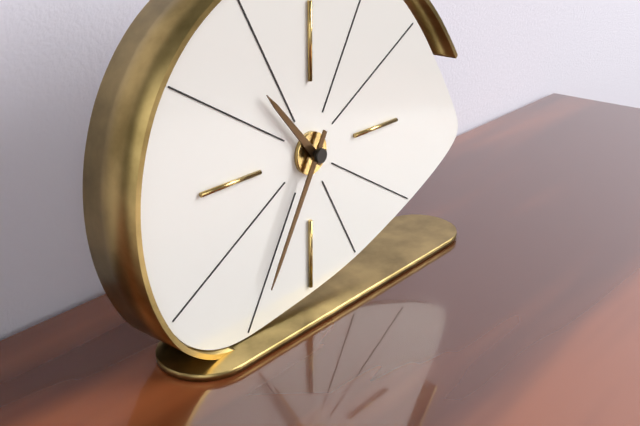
**10:35**
